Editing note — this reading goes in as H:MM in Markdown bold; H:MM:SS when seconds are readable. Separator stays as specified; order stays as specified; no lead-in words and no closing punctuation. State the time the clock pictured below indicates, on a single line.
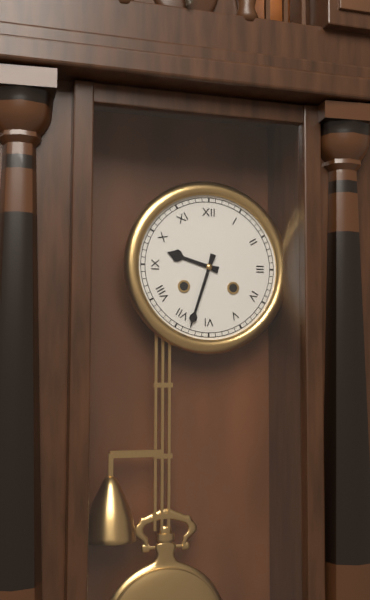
**9:33**
